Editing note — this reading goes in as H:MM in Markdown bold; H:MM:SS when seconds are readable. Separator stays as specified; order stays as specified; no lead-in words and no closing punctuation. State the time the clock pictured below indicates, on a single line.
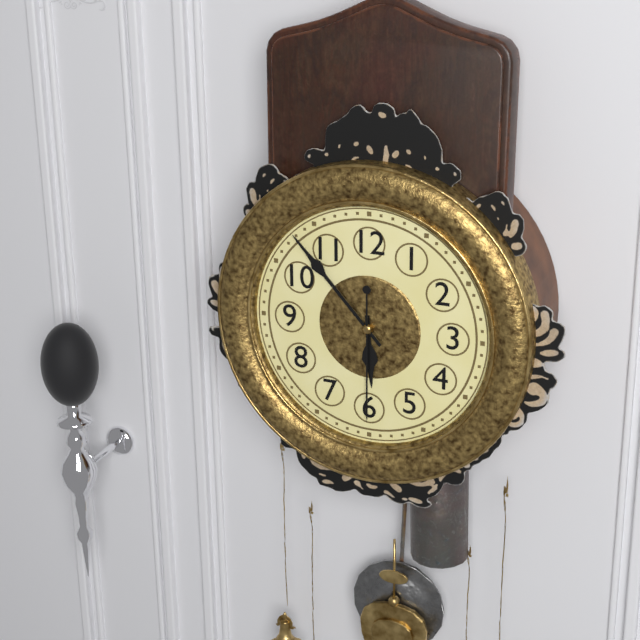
**5:53:30**
